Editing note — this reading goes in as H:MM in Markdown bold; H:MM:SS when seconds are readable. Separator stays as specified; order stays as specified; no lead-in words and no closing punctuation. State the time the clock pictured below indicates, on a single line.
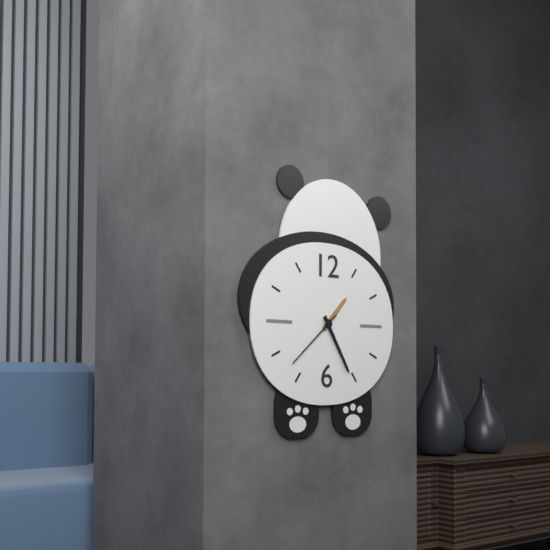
**1:25:38**
